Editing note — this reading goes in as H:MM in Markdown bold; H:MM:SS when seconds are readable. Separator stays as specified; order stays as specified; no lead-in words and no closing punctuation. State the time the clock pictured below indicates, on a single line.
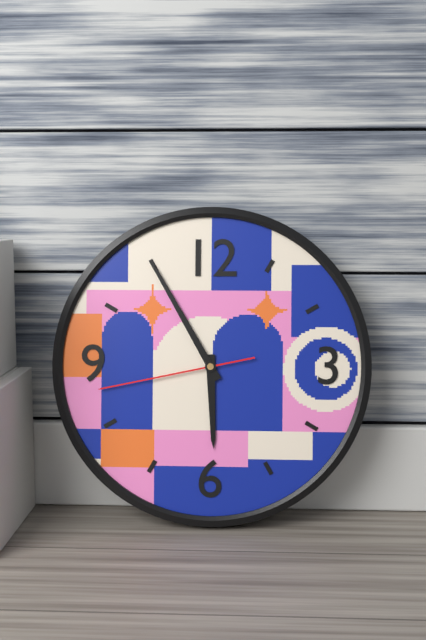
**5:55:43**
